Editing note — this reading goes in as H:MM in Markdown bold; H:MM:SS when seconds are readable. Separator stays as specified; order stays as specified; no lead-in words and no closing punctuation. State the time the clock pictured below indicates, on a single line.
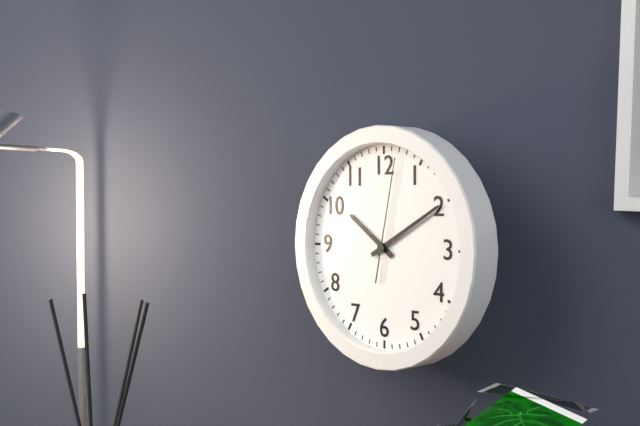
**10:10:02**
